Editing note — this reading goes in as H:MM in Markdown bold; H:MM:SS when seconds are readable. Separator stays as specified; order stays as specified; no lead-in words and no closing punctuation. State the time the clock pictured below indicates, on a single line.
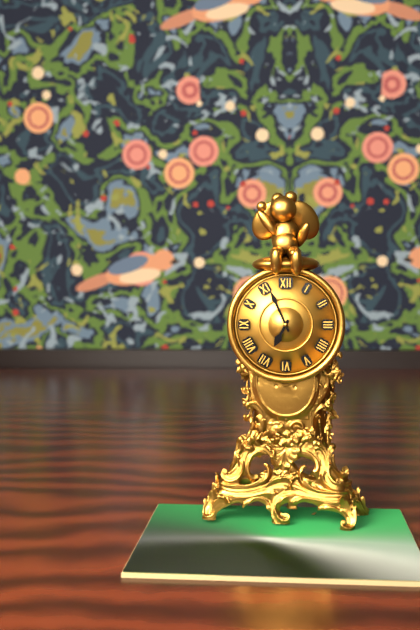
**6:56**
